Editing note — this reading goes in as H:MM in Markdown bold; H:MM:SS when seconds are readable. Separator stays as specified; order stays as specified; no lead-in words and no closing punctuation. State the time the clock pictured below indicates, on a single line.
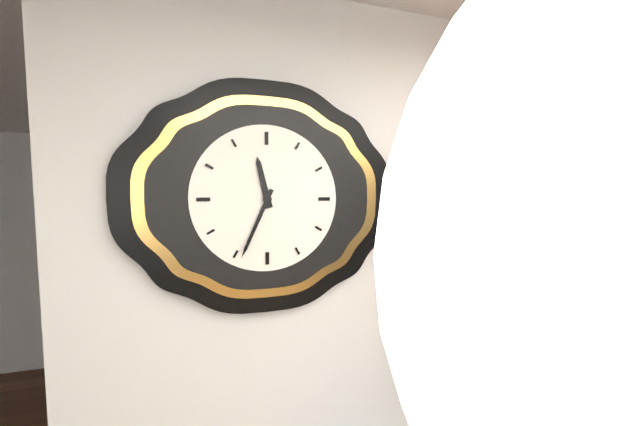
**11:34**
